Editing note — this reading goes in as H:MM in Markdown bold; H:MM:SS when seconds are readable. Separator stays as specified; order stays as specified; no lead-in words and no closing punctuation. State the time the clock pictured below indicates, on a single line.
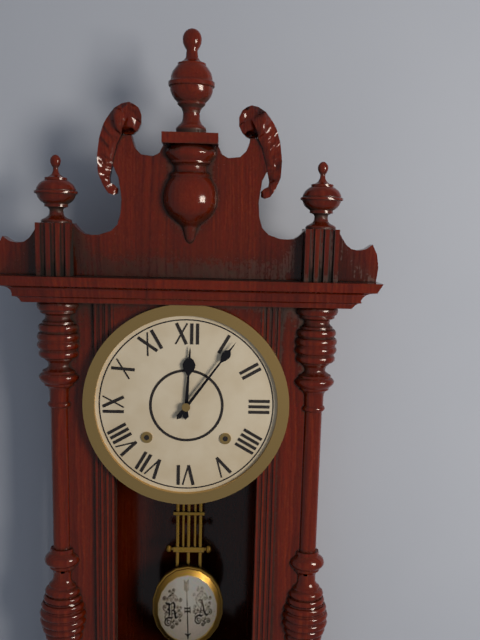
**12:06**
